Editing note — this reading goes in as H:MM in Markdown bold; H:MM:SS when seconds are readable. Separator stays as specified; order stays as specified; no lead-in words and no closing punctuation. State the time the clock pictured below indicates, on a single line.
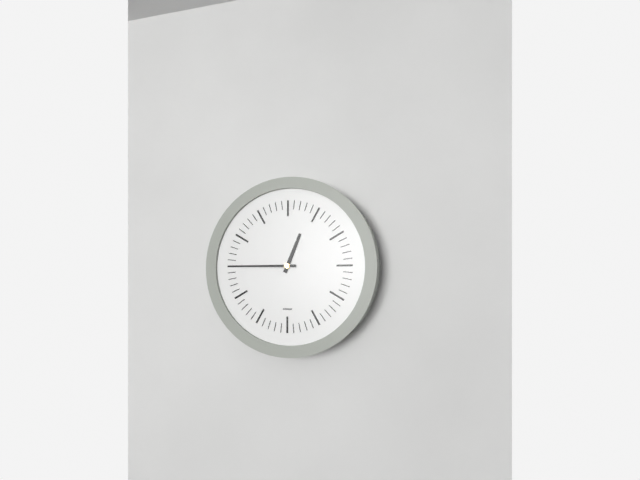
**12:45**
